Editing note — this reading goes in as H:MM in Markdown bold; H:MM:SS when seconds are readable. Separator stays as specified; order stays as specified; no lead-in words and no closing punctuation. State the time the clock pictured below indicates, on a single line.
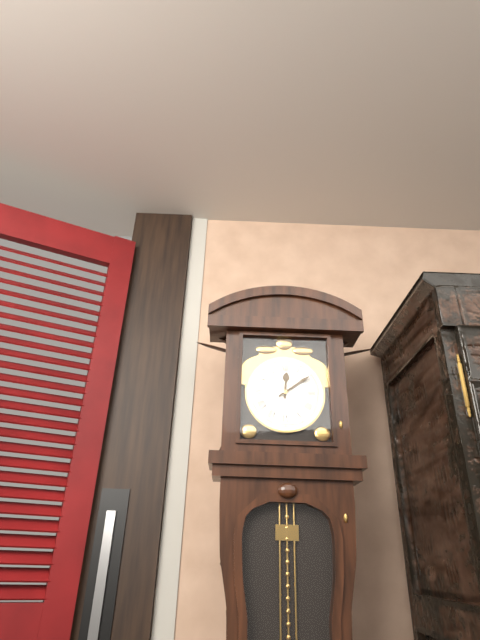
**12:09**
